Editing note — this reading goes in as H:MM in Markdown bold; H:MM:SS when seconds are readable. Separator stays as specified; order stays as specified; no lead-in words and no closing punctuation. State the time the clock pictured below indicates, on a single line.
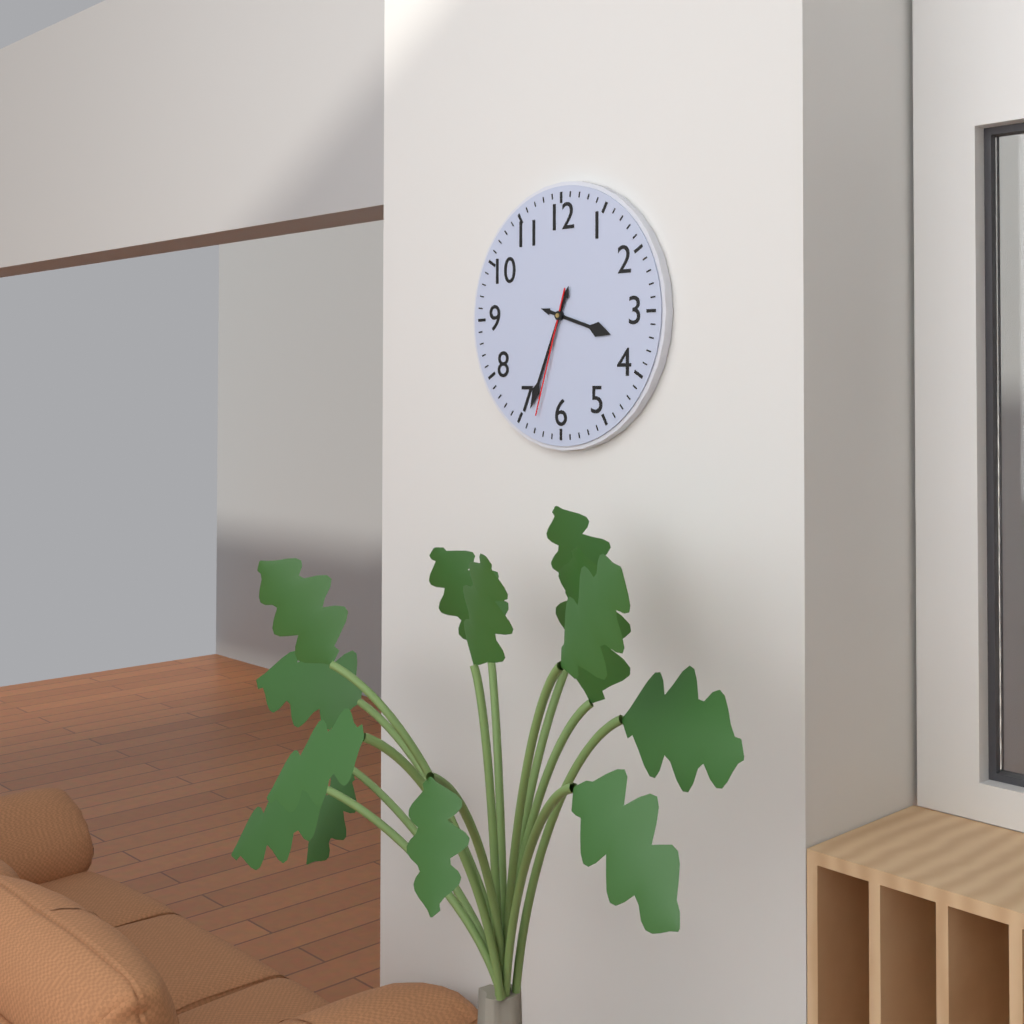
**3:34:33**
